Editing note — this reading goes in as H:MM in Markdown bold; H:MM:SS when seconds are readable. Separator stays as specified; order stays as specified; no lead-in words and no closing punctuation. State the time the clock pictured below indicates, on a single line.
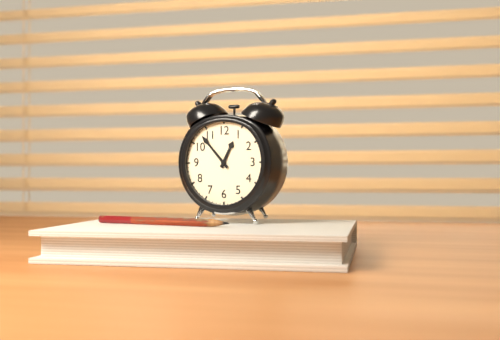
**12:53**
